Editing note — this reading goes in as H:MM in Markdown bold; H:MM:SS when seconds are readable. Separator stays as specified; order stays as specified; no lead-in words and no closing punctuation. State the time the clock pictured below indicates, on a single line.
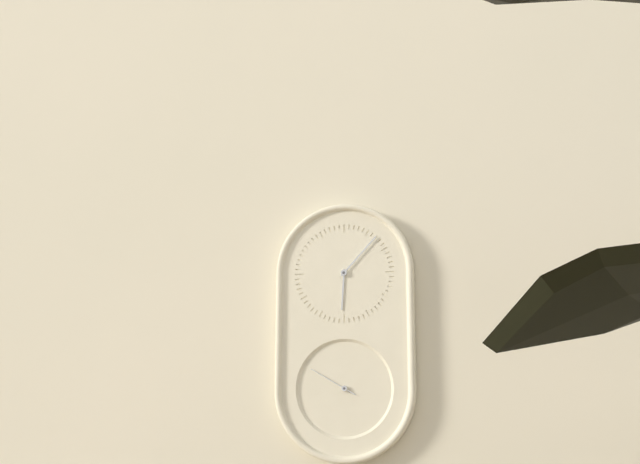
**6:07**
